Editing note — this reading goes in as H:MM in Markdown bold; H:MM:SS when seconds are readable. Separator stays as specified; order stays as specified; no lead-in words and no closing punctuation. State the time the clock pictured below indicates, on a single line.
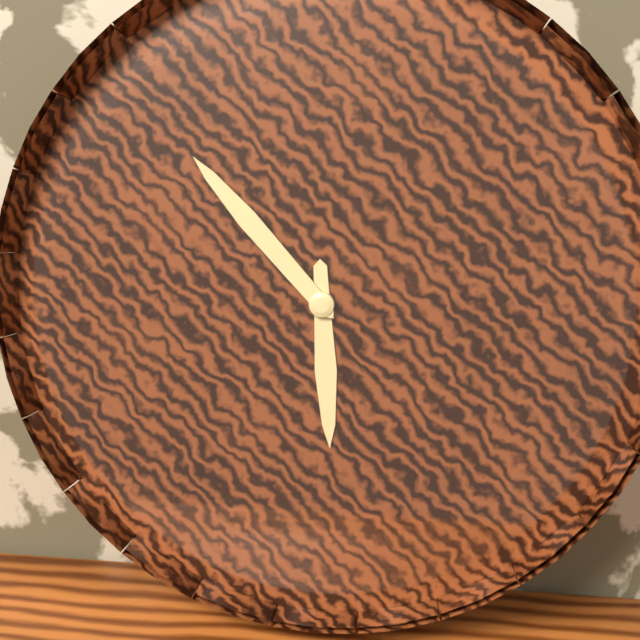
**5:53**
